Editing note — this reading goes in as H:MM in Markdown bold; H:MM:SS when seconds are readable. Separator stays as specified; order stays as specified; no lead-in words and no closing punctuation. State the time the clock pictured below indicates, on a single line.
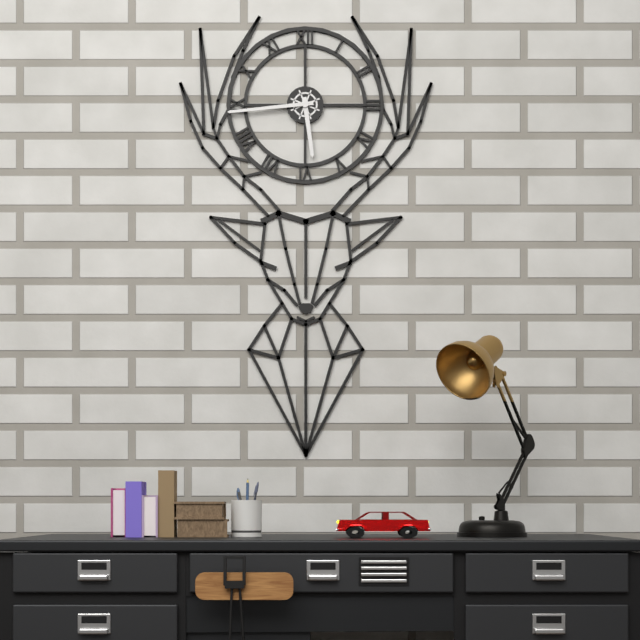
**5:44**
